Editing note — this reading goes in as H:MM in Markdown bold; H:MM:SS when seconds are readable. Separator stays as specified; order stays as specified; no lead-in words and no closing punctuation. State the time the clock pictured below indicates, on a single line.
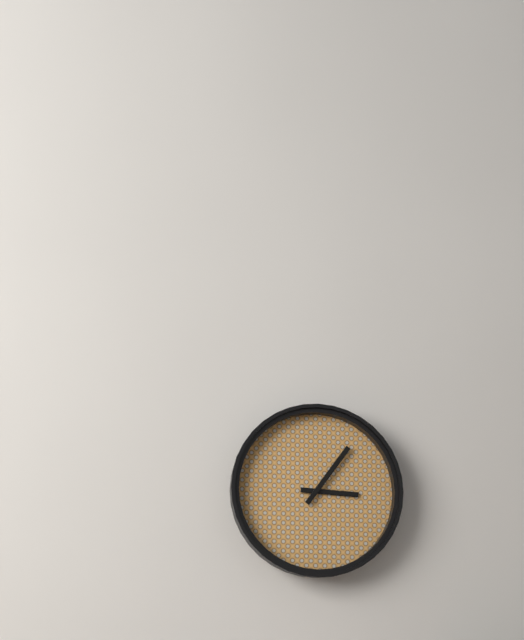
**3:06**
